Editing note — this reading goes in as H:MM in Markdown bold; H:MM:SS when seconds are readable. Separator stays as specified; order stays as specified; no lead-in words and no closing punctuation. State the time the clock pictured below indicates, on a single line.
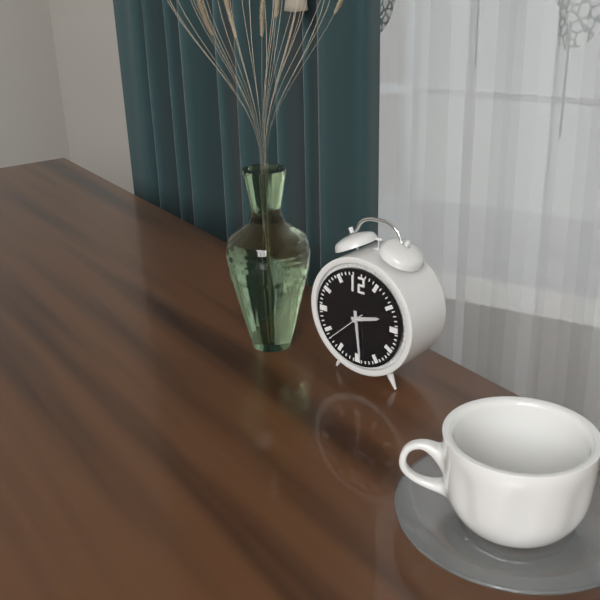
**2:29**
